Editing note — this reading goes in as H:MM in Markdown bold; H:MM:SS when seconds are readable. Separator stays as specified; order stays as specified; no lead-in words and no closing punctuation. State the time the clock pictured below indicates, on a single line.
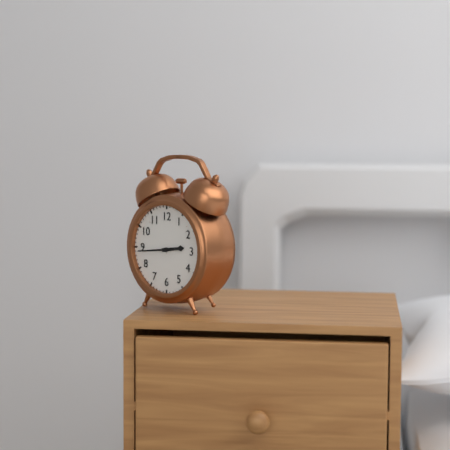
**2:44**
